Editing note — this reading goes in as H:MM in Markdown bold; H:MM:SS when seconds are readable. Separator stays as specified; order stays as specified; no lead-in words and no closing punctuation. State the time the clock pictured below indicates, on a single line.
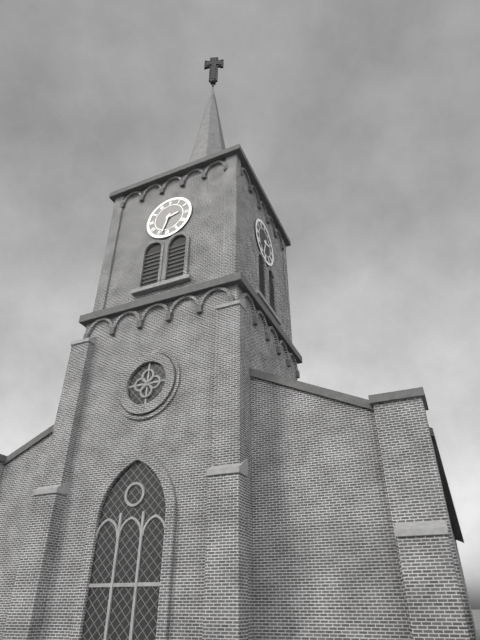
**2:33**
